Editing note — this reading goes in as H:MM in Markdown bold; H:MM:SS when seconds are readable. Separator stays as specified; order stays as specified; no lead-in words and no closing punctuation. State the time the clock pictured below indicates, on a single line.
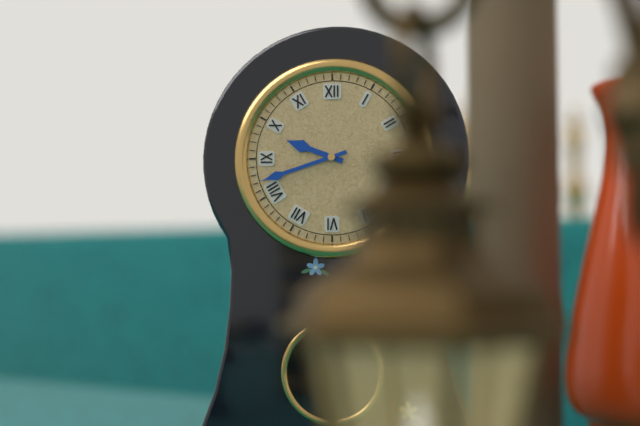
**9:42**
